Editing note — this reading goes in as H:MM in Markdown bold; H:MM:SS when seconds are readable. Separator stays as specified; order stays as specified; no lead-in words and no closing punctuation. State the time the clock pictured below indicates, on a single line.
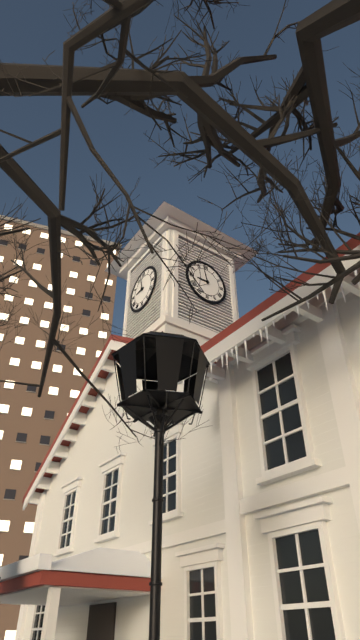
**8:58**
